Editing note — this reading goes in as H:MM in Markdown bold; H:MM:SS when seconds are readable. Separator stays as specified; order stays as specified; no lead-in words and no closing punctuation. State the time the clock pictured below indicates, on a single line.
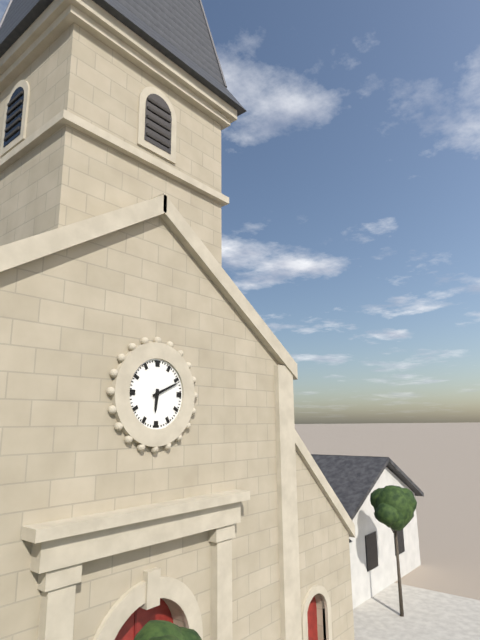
**6:11**
